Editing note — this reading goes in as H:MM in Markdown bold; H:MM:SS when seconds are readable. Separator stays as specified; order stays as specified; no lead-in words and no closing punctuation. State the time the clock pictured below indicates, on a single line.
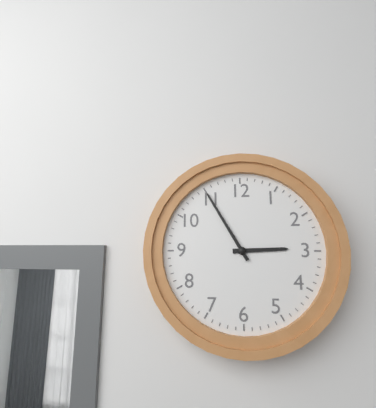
**2:55**
